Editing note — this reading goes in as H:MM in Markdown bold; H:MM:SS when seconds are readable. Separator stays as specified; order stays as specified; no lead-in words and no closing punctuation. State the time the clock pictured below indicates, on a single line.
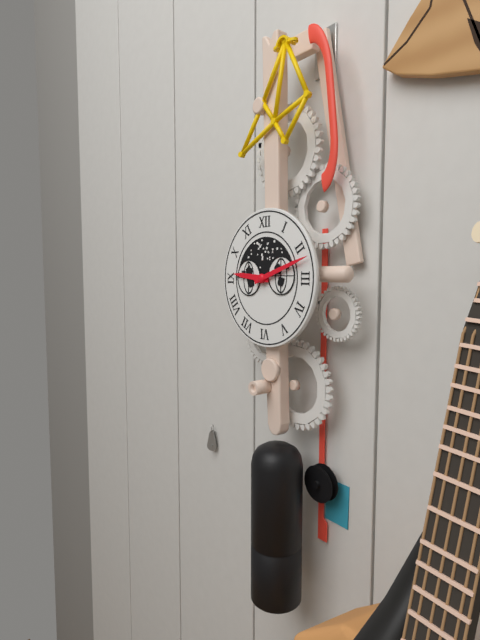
**9:12**
